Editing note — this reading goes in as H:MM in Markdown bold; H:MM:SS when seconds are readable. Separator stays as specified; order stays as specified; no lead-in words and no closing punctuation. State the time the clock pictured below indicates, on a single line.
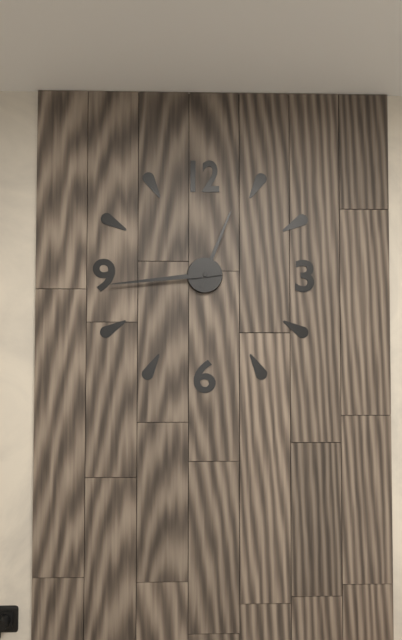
**12:44**
